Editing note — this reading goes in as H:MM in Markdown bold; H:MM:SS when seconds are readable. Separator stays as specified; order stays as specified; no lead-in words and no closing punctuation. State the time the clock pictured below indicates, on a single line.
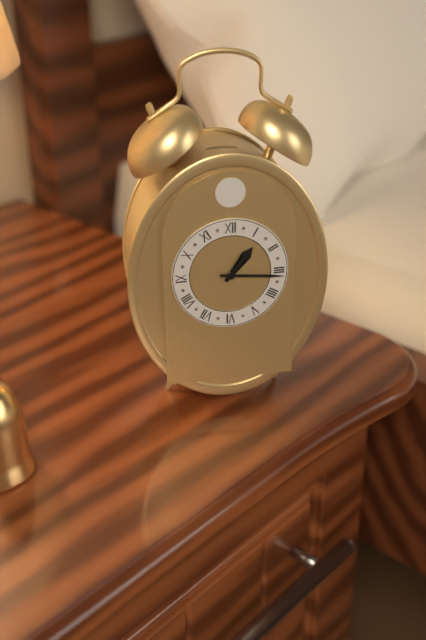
**1:16**
